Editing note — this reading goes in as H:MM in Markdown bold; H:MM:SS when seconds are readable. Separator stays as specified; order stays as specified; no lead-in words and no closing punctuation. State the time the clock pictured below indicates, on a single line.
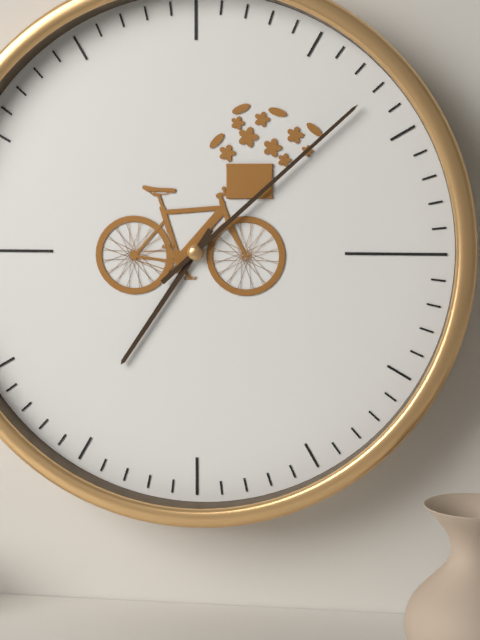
**7:08**
